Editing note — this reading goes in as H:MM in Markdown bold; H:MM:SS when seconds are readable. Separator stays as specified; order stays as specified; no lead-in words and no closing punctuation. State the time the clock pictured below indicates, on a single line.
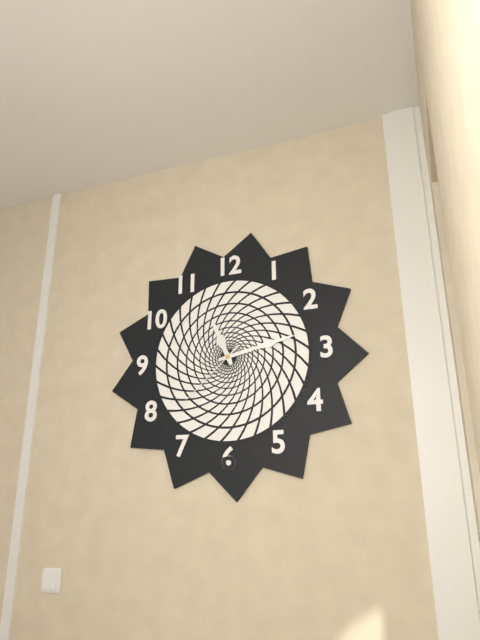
**11:13:38**
